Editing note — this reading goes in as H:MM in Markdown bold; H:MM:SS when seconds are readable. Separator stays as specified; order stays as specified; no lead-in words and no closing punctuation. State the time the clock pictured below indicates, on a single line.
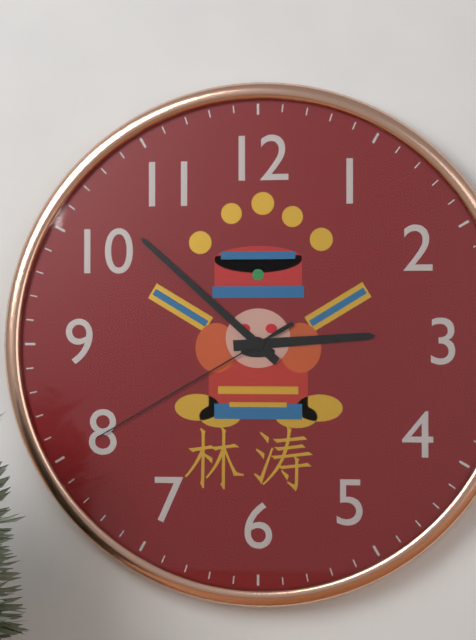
**2:52:40**
